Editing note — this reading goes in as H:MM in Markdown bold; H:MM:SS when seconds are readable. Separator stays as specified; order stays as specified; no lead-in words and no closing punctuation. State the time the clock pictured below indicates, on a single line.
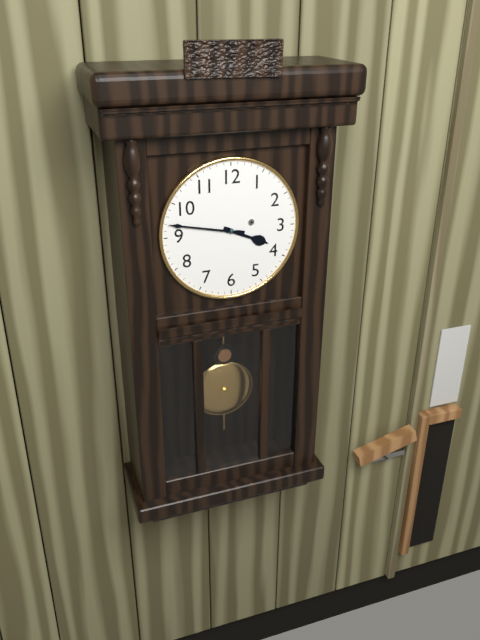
**3:47**
